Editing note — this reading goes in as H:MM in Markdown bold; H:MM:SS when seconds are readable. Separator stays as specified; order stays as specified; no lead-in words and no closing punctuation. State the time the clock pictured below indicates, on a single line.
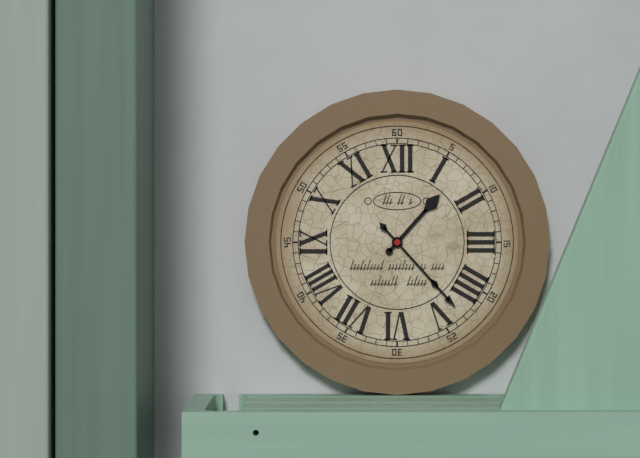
**1:23**
